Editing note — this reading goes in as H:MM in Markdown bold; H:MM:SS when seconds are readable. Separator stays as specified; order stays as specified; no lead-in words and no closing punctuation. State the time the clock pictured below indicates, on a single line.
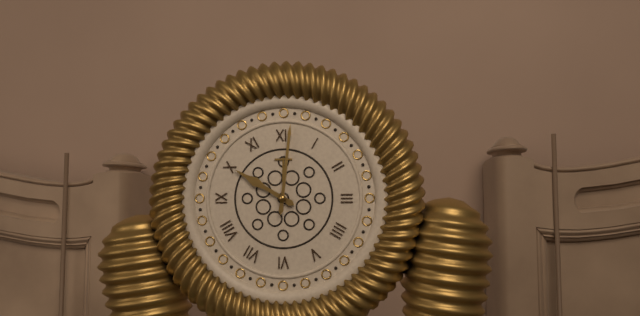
**10:01**
